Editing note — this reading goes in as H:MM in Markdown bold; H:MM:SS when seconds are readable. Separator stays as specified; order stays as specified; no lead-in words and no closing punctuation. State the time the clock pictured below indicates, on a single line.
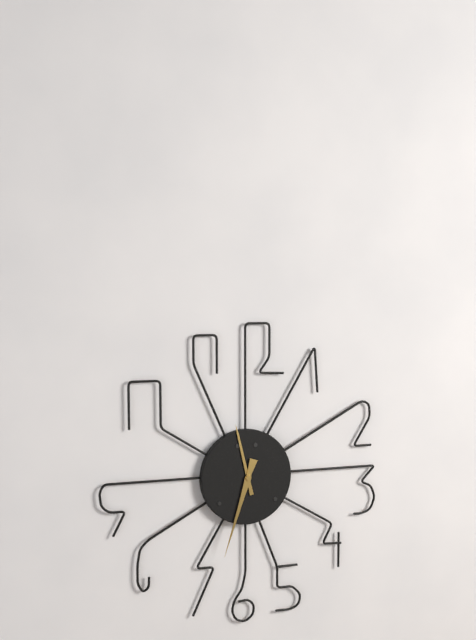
**11:33**
